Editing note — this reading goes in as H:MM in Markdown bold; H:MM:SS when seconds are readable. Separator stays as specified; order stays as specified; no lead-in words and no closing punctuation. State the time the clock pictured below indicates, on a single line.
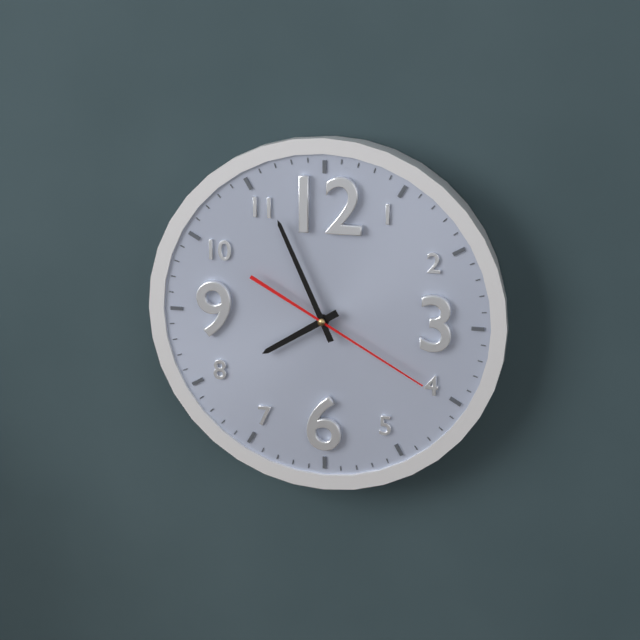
**7:56:20**
